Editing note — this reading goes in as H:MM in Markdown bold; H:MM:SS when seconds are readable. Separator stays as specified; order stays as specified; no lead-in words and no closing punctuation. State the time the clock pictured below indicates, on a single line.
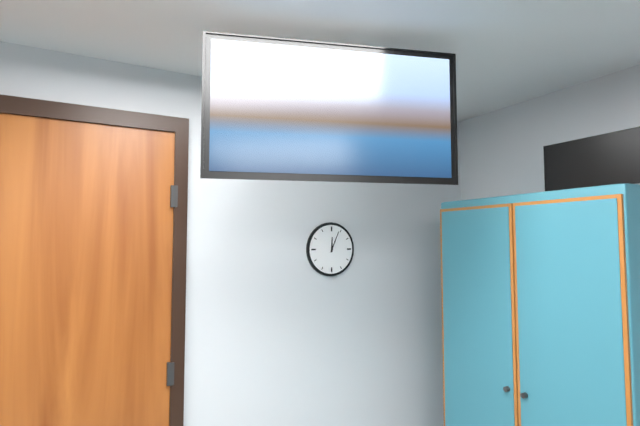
**12:04**
